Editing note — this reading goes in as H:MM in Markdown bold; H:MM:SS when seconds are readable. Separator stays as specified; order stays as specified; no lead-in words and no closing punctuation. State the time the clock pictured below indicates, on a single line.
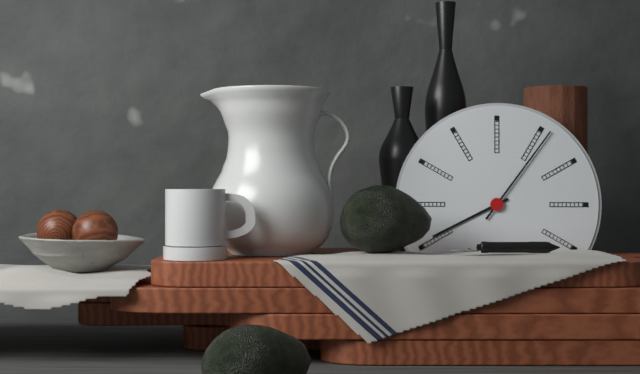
**8:06**
